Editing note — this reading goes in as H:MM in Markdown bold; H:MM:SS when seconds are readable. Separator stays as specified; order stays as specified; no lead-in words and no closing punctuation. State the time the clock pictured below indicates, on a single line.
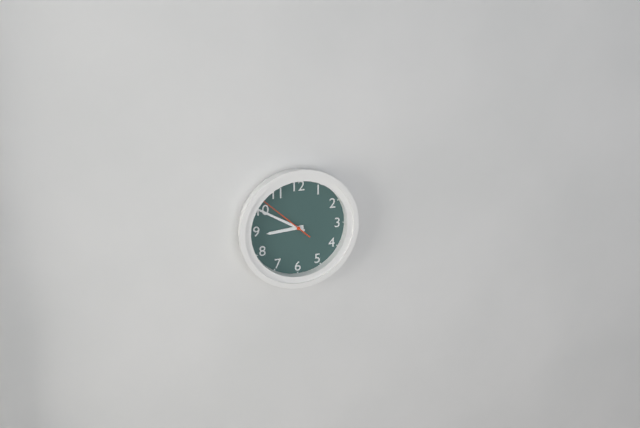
**8:50:52**
